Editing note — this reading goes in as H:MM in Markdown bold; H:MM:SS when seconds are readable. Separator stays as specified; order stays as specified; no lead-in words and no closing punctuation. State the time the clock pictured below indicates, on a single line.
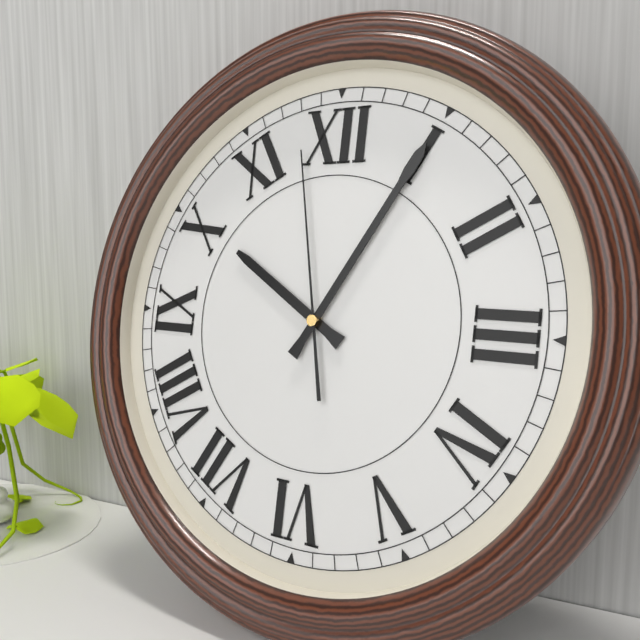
**10:05:58**
